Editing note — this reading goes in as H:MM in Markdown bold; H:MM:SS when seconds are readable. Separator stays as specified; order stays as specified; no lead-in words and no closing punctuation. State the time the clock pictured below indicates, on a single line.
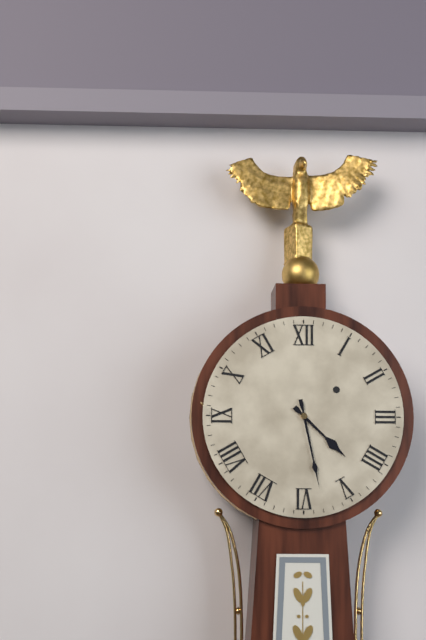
**4:28**
